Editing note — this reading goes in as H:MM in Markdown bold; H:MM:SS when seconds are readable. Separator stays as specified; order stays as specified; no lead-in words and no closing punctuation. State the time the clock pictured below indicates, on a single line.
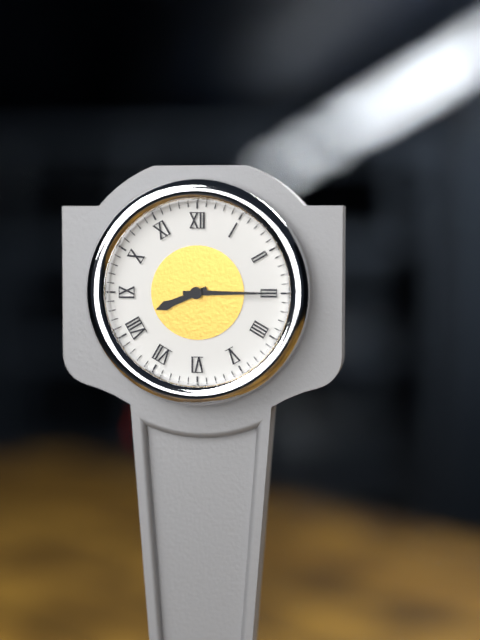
**8:15**
